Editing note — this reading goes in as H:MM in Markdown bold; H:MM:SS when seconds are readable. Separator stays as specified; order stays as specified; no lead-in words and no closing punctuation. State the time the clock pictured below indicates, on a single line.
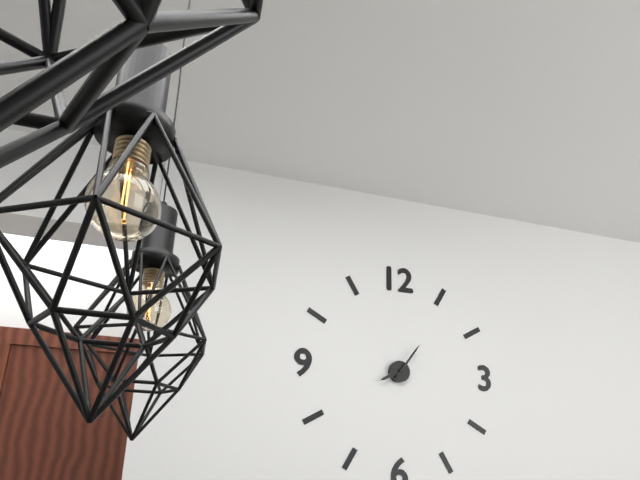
**8:06**
